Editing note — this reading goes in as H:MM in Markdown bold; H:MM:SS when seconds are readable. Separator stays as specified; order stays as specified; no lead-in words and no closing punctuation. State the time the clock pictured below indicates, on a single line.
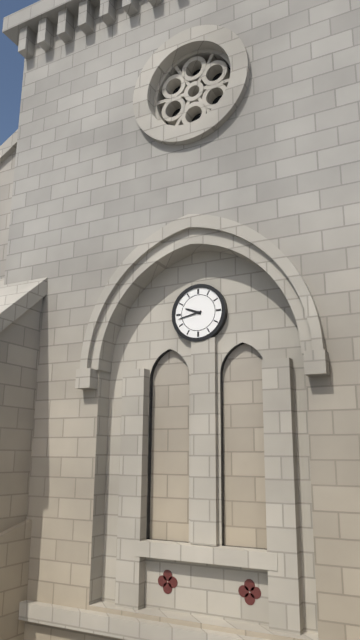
**9:43**
